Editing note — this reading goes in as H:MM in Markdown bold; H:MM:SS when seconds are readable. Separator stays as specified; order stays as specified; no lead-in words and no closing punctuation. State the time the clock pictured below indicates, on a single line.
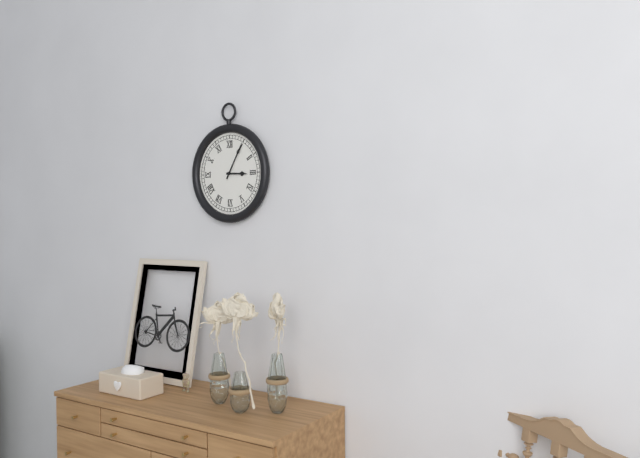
**3:05**
